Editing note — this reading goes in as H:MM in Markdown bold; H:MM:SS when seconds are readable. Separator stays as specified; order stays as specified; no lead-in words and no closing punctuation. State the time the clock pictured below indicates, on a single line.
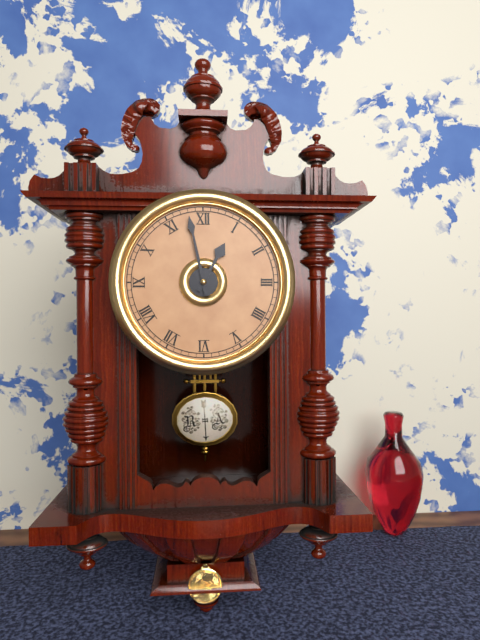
**12:58**
